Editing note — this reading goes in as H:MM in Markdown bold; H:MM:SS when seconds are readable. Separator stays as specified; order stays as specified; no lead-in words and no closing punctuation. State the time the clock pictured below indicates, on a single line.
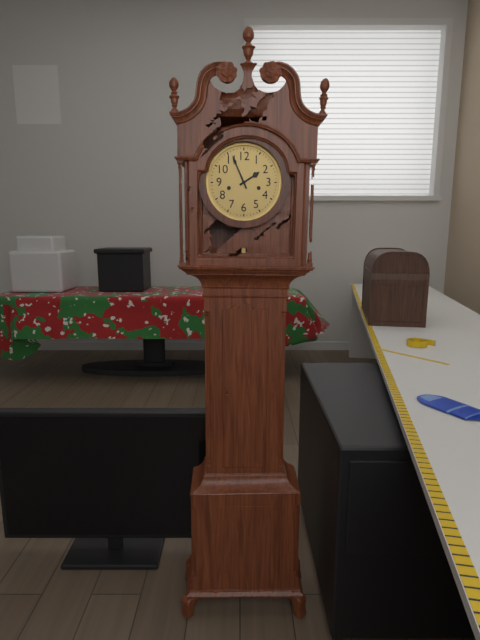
**1:56**
